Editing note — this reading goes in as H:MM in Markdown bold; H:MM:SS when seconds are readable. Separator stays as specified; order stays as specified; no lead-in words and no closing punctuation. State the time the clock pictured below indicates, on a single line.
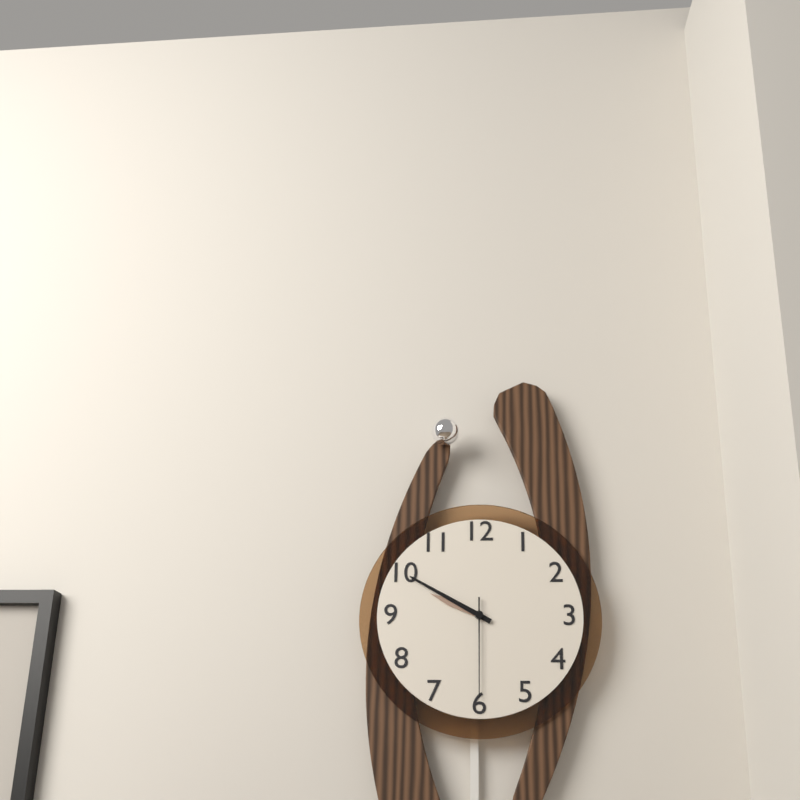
**9:50:30**
